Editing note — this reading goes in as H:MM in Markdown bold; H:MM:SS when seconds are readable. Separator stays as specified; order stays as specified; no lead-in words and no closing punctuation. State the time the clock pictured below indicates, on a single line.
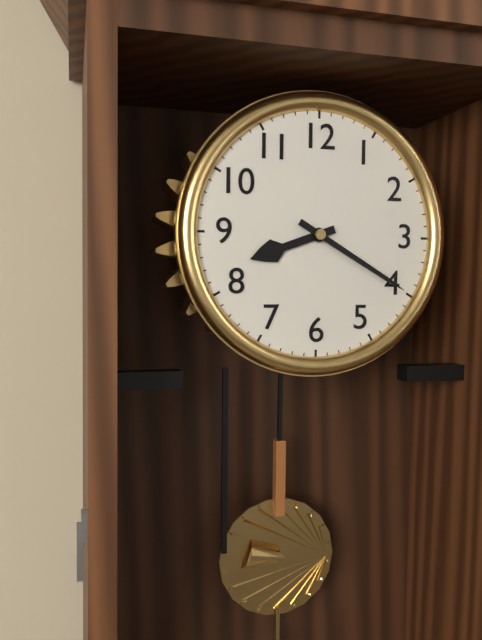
**8:20**
